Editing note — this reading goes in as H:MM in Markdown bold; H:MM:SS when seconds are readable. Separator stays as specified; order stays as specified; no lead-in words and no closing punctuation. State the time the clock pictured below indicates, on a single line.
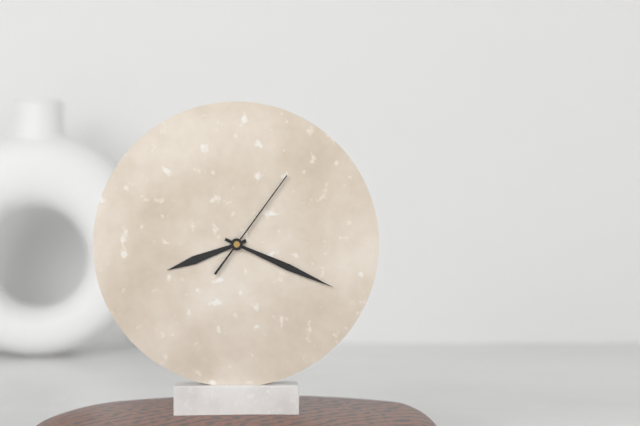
**8:19:06**
